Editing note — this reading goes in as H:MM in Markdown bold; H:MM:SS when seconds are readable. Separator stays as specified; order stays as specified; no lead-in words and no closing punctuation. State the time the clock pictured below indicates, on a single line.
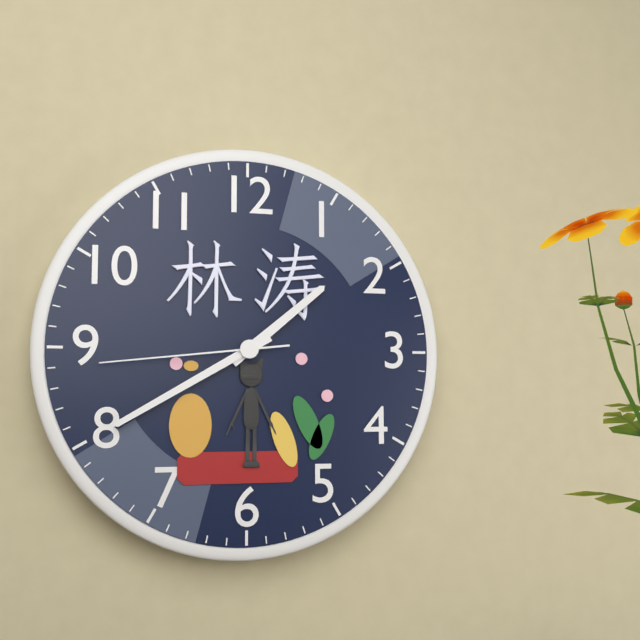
**1:40:44**
